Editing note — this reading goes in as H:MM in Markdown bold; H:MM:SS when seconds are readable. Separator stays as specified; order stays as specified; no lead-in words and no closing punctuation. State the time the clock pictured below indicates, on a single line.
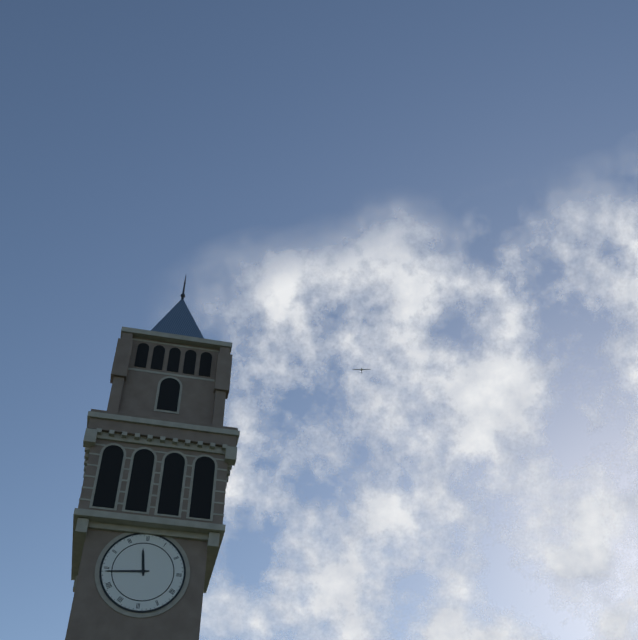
**11:44**
